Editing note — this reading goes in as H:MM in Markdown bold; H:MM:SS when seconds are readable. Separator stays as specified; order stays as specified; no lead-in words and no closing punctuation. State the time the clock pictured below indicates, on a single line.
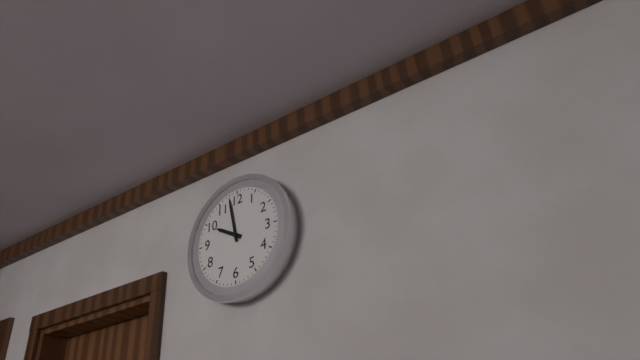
**9:58**
